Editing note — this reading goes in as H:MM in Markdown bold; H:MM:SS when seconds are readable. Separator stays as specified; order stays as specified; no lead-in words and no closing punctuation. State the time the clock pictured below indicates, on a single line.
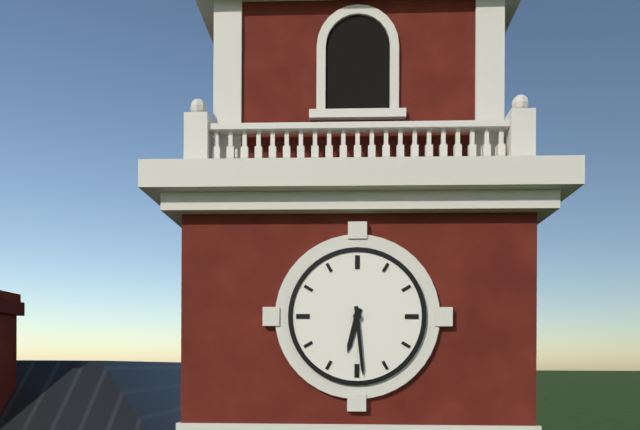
**6:29**
